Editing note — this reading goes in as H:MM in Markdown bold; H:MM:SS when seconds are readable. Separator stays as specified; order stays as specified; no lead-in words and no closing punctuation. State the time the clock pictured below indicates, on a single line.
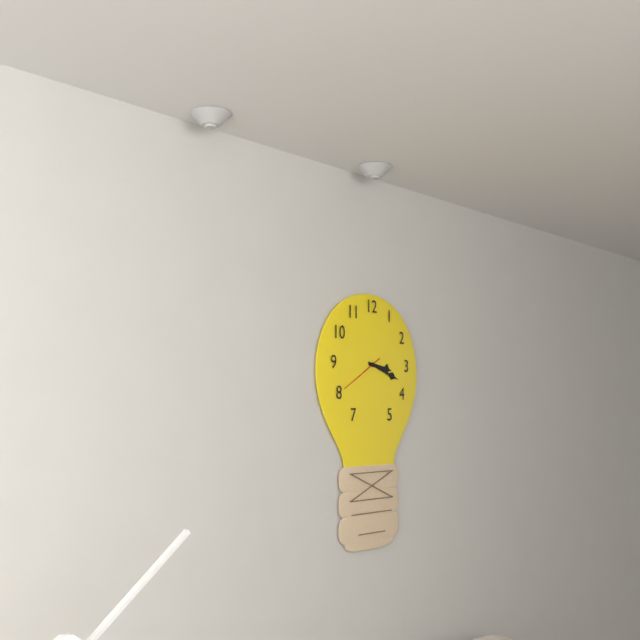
**3:18**
